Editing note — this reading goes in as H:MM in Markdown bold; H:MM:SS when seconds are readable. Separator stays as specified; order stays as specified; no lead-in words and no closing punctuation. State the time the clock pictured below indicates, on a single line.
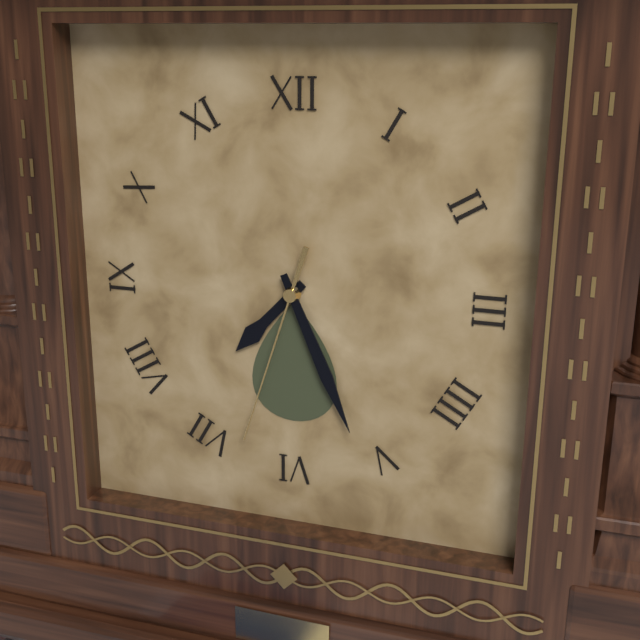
**7:26:33**
